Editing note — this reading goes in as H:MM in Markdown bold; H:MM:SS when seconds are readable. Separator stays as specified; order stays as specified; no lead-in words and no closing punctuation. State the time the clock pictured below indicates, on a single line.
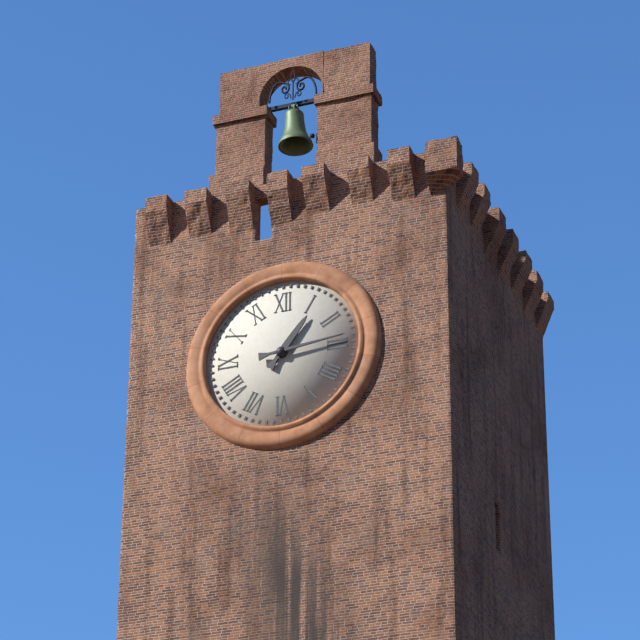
**1:14**
